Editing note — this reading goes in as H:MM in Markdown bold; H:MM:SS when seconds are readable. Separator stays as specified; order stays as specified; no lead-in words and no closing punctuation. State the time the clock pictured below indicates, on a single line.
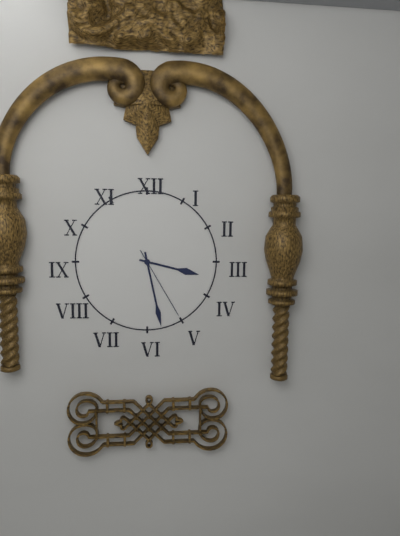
**3:28:25**
